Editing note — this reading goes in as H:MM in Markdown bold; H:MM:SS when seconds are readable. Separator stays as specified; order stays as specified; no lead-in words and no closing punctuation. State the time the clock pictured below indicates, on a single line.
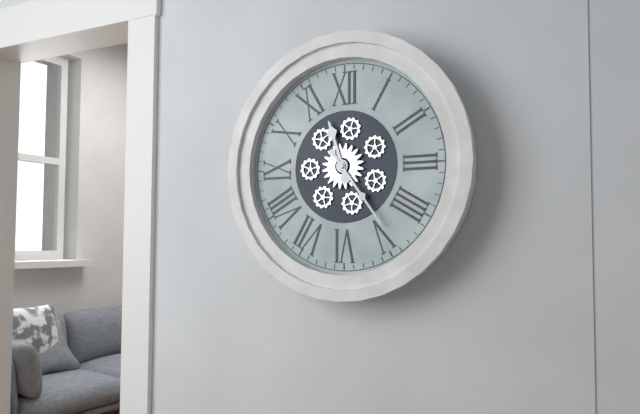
**11:24**
